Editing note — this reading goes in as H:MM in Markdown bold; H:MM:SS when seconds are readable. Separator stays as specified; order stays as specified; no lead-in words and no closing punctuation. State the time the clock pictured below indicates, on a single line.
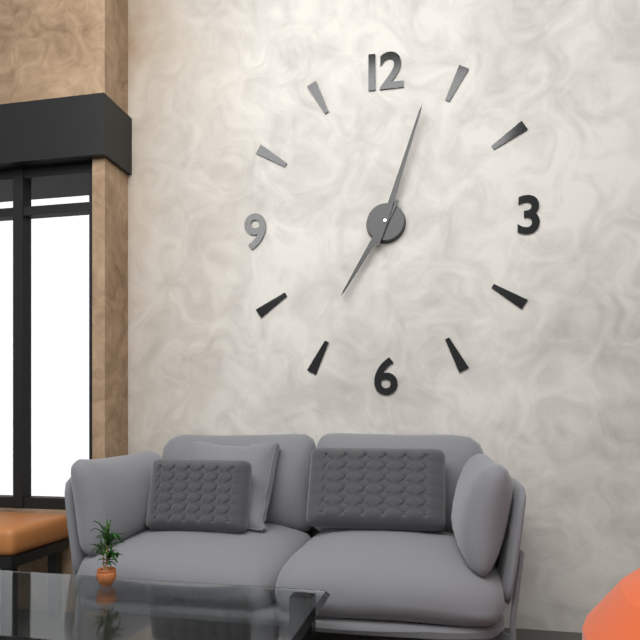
**7:03**
